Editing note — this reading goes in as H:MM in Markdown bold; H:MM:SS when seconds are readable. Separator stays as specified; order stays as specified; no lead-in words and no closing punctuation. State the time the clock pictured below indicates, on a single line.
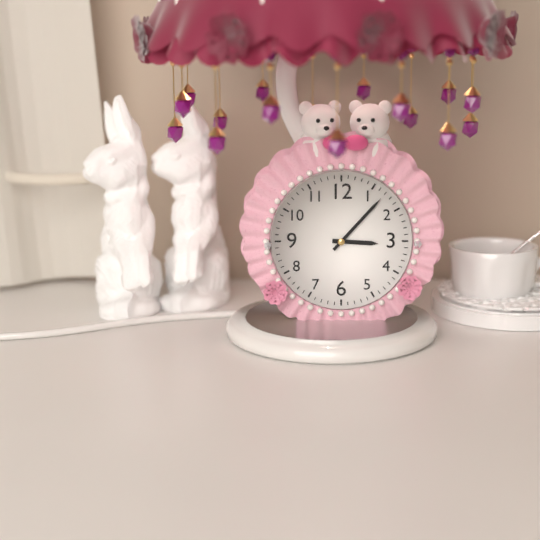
**3:07**
